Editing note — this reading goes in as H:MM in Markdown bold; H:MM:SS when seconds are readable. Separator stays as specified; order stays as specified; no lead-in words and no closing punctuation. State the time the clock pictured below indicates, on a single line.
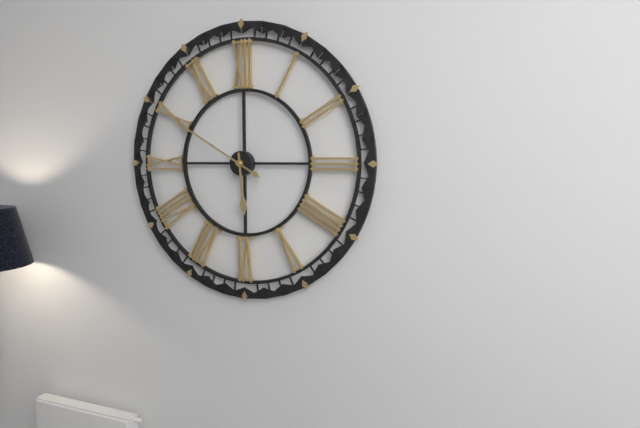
**5:50**
